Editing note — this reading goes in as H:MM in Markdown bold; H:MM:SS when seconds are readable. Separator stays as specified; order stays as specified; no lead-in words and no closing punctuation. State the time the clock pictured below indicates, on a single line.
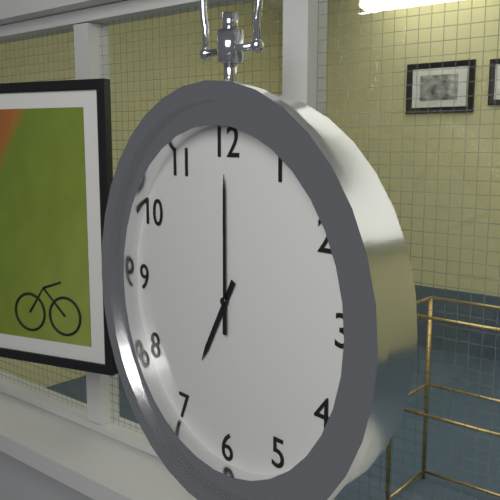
**7:00**
